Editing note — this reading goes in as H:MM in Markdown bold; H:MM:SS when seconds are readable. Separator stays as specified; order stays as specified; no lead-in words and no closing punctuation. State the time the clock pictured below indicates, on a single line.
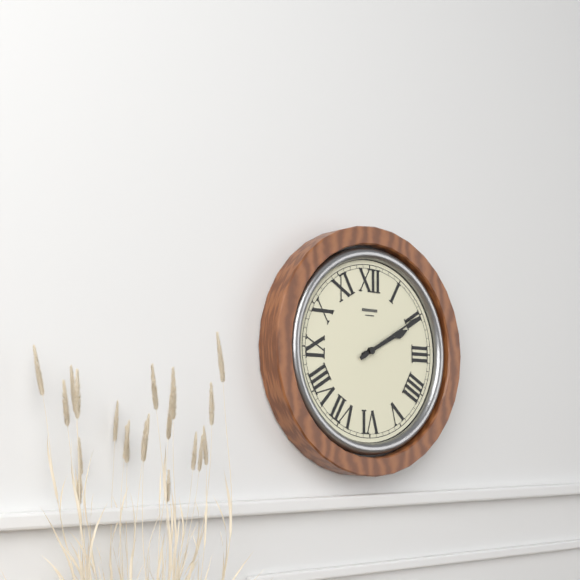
**2:10**
